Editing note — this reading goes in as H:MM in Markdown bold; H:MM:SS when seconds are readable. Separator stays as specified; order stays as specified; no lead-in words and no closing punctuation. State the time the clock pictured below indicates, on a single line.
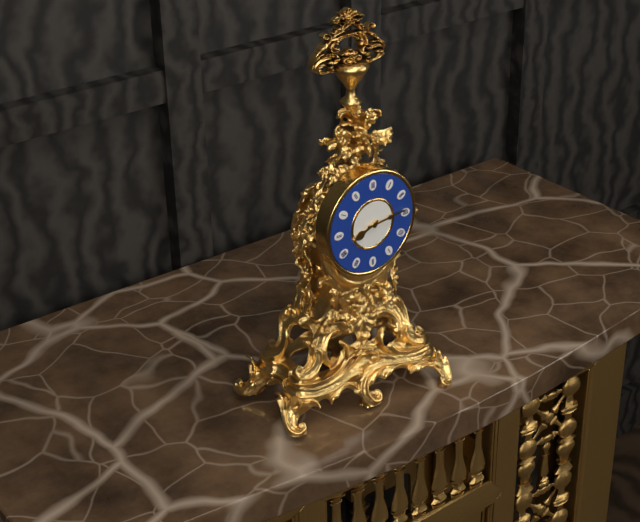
**8:14**
